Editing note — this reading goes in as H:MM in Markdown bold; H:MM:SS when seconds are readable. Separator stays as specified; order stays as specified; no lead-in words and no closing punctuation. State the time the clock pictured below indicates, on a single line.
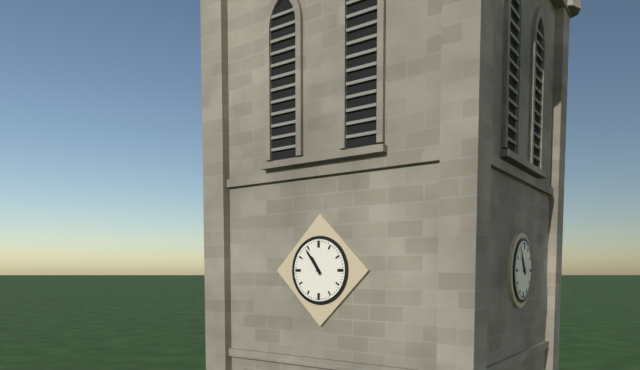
**10:54**
